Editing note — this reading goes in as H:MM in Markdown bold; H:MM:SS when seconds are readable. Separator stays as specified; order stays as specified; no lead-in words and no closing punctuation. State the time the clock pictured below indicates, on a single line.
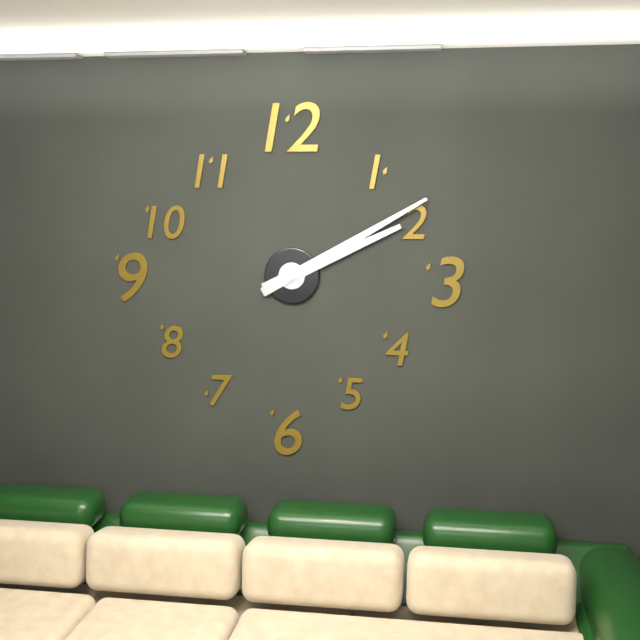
**2:10**
